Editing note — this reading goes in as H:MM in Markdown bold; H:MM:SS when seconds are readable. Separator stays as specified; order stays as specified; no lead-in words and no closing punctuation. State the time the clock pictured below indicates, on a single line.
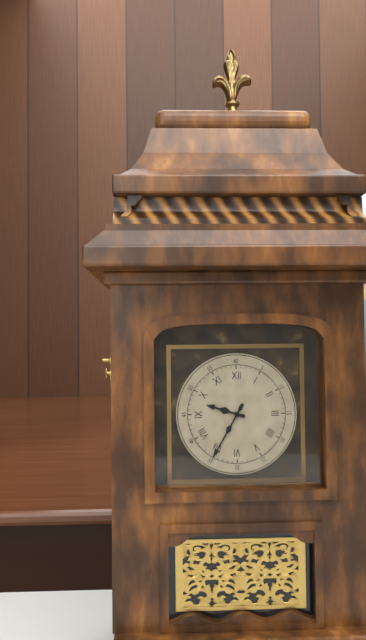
**9:35**
